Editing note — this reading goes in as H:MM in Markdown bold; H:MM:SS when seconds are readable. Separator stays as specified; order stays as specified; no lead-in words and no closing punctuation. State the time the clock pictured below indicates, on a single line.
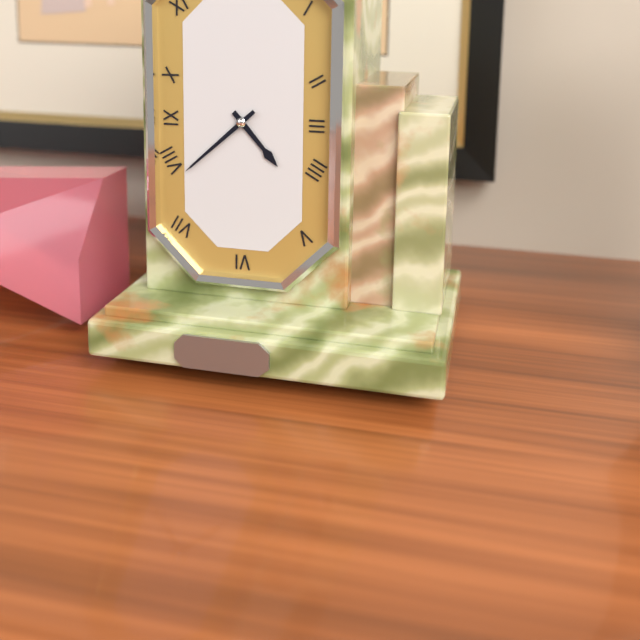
**4:38**
